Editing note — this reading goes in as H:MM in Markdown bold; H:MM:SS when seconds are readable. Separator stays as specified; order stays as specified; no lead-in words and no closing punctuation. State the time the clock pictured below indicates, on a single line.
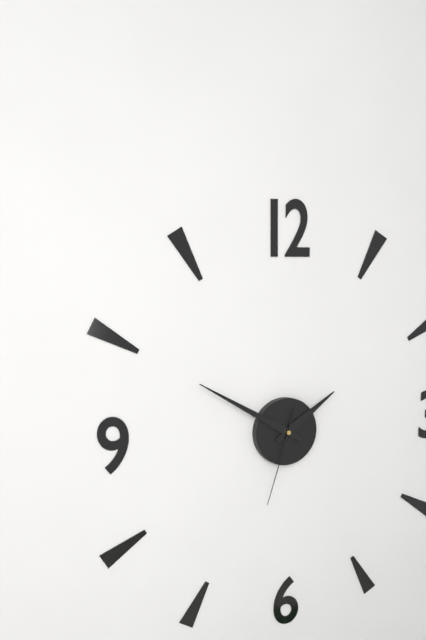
**1:50:33**
